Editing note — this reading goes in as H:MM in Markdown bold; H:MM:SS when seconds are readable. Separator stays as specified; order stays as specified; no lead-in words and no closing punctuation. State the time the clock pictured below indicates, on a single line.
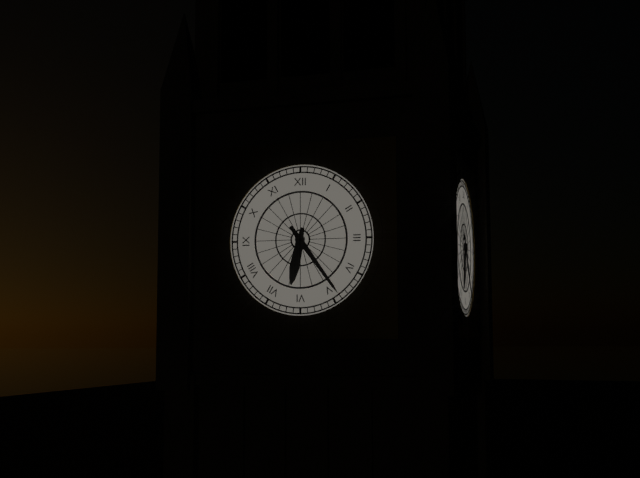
**6:24**
